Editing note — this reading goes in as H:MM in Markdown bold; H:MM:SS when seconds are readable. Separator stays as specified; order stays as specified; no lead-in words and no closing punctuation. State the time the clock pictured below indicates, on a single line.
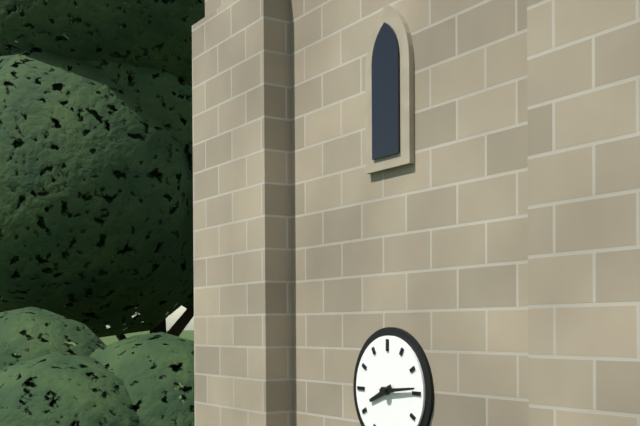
**8:14**
